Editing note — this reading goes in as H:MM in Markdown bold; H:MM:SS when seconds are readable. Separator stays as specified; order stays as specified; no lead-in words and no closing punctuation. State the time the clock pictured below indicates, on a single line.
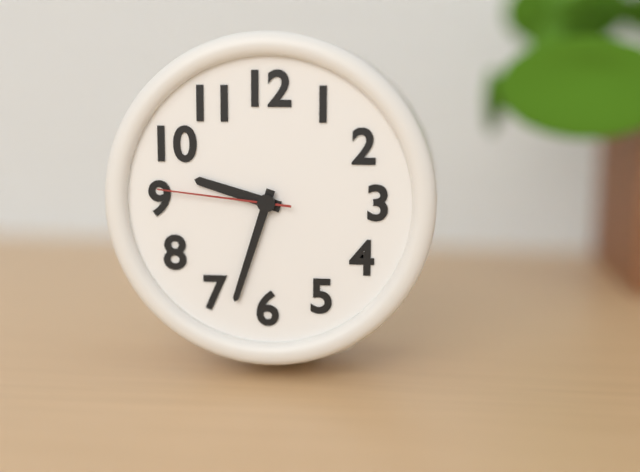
**9:33:46**
